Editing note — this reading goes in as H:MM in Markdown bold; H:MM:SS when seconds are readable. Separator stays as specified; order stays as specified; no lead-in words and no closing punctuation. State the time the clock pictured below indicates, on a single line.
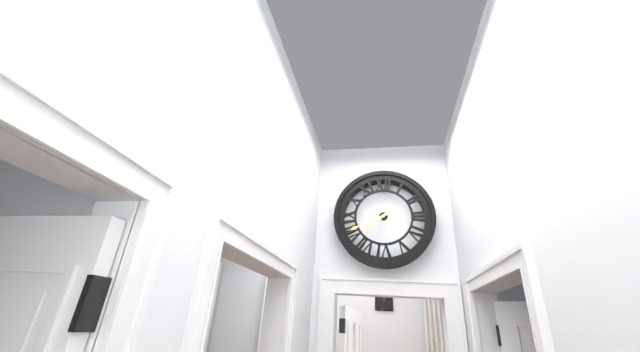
**7:41**
